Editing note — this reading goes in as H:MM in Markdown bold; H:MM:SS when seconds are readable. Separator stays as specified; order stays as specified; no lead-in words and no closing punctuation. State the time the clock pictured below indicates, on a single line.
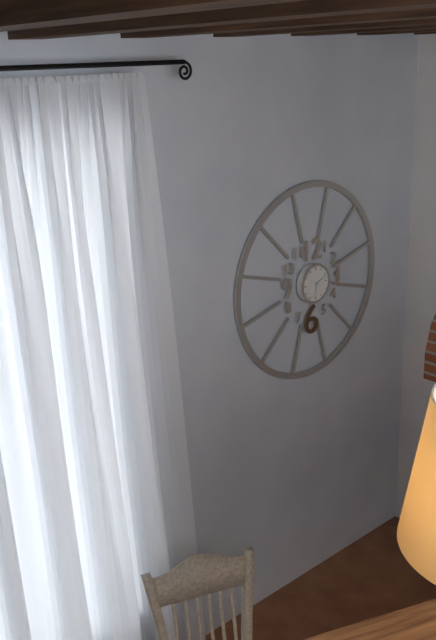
**6:11**
